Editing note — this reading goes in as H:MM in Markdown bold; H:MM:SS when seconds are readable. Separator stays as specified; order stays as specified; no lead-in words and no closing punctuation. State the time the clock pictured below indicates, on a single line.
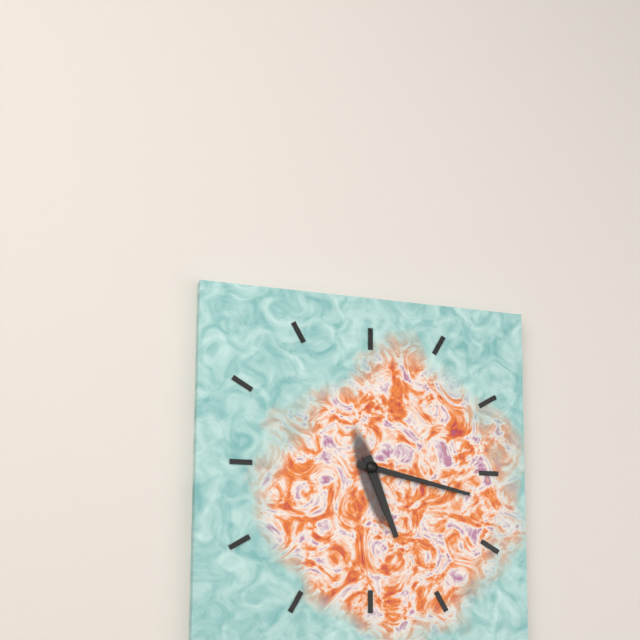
**5:17**
